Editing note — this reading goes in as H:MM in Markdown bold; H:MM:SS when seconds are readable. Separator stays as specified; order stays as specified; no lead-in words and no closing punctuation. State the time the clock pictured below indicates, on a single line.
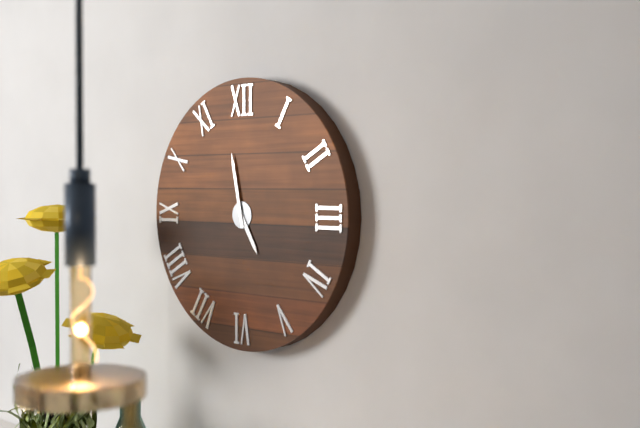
**4:58**
